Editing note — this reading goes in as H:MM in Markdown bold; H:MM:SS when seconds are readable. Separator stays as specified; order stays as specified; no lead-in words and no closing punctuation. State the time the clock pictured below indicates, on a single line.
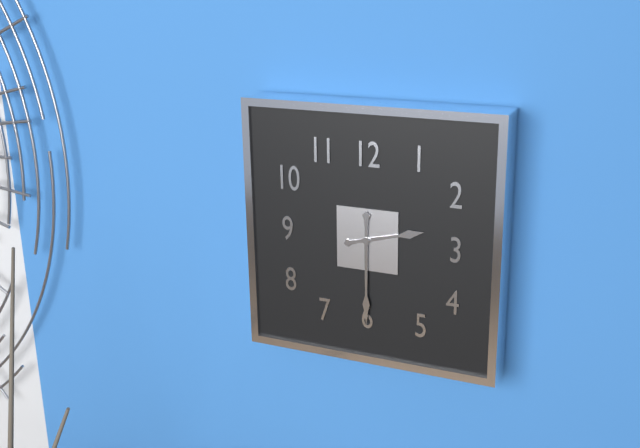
**2:30**
